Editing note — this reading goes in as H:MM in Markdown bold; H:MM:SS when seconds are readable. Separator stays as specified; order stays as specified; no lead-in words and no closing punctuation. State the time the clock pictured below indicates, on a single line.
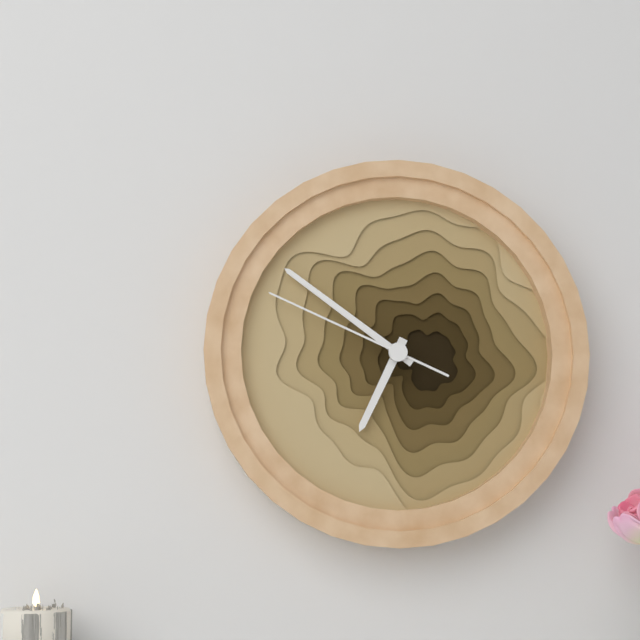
**6:51:49**
